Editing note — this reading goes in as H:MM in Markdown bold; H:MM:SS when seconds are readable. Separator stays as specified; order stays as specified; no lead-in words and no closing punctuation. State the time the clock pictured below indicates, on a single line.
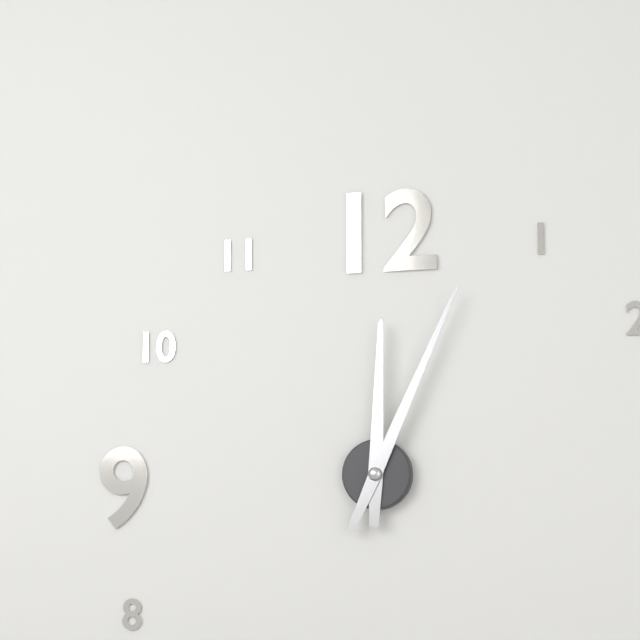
**12:04**
